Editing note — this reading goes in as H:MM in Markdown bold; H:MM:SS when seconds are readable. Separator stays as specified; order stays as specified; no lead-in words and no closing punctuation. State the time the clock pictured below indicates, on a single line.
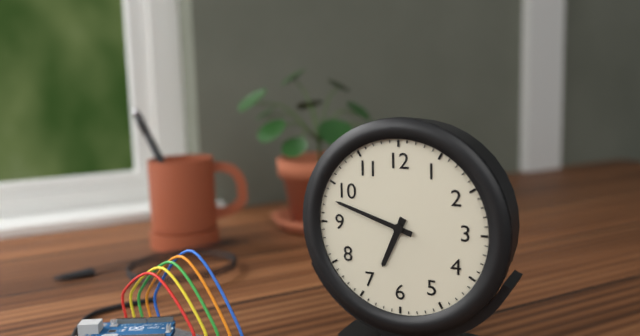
**6:48**
